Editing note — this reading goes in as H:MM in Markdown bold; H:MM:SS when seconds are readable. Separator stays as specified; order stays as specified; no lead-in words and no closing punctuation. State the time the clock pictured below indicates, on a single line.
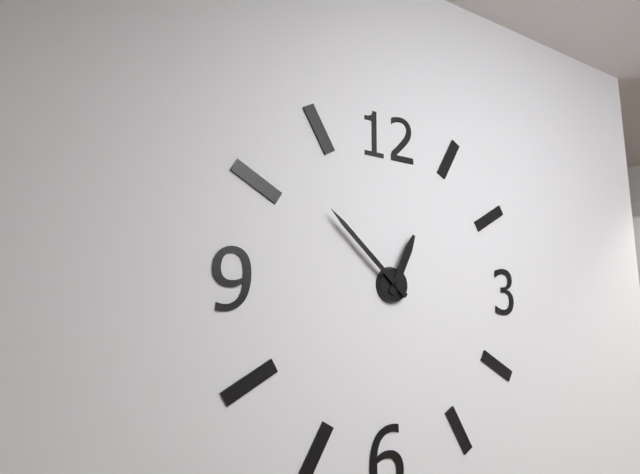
**12:52**
